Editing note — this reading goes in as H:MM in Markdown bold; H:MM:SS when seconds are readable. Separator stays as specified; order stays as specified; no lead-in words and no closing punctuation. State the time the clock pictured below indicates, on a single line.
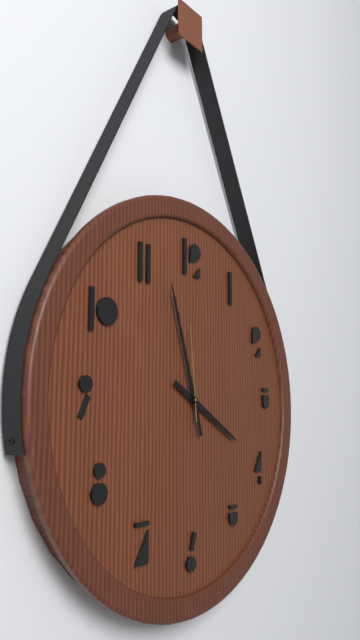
**3:57:59**
